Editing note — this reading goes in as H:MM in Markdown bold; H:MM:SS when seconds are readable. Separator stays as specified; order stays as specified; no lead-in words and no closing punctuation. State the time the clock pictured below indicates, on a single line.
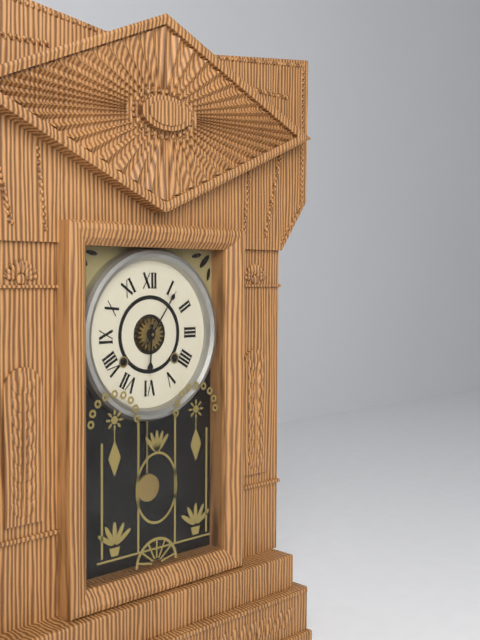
**6:06**
